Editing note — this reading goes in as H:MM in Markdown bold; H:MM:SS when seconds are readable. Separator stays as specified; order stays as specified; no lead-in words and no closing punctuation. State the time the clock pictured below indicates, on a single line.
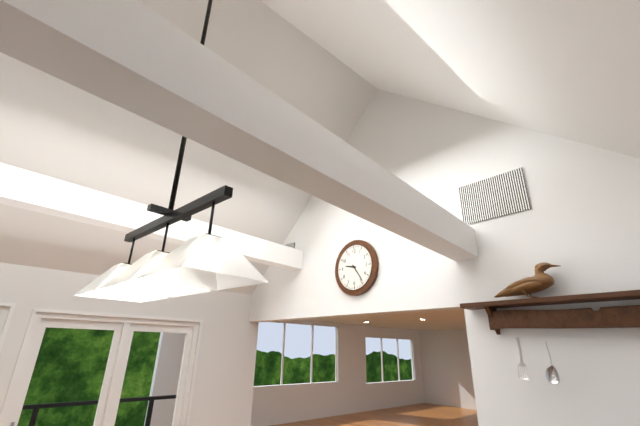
**9:24**
